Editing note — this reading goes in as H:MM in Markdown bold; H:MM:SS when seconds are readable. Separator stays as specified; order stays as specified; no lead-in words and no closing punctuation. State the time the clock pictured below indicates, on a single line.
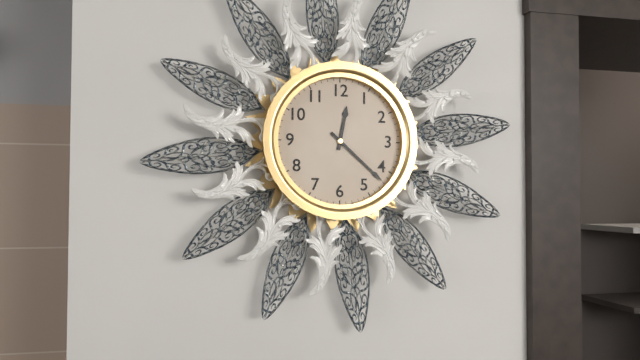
**12:22**
